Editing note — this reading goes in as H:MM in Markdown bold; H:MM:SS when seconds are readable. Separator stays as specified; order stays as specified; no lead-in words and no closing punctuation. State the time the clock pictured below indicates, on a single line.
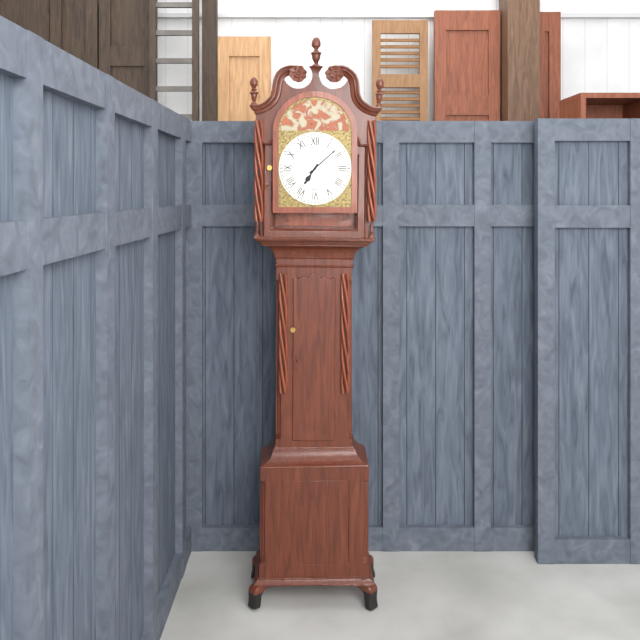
**7:08**
